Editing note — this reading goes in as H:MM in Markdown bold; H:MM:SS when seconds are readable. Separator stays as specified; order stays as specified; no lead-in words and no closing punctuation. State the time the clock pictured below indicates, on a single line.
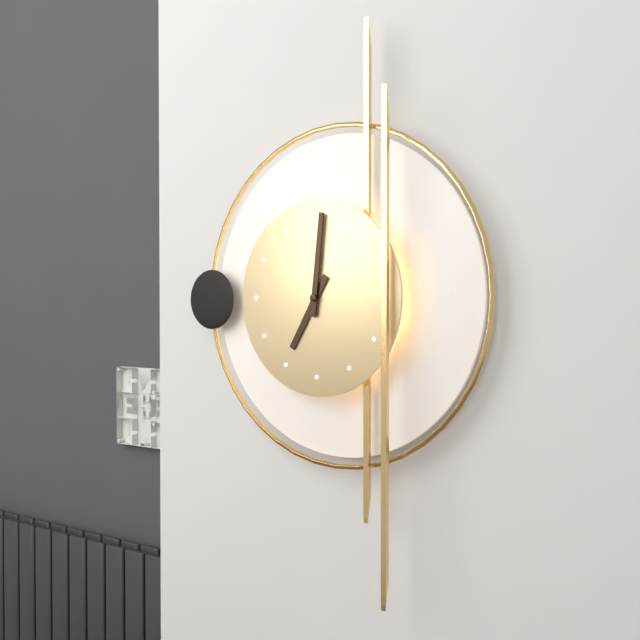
**7:01**
